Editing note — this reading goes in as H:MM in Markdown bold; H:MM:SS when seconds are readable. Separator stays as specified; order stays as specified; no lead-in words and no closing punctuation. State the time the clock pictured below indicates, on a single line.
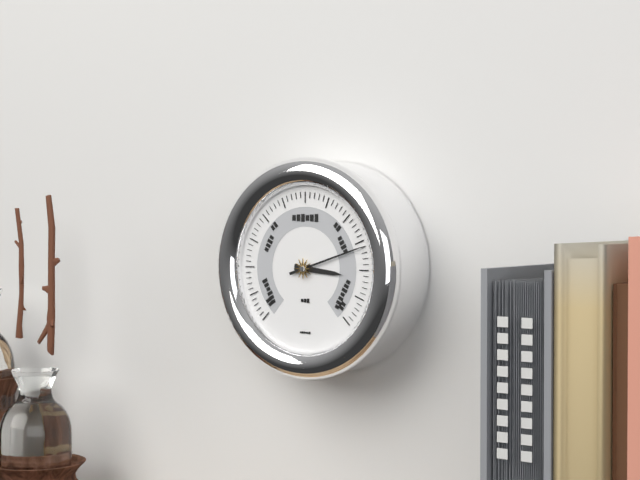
**3:12**
